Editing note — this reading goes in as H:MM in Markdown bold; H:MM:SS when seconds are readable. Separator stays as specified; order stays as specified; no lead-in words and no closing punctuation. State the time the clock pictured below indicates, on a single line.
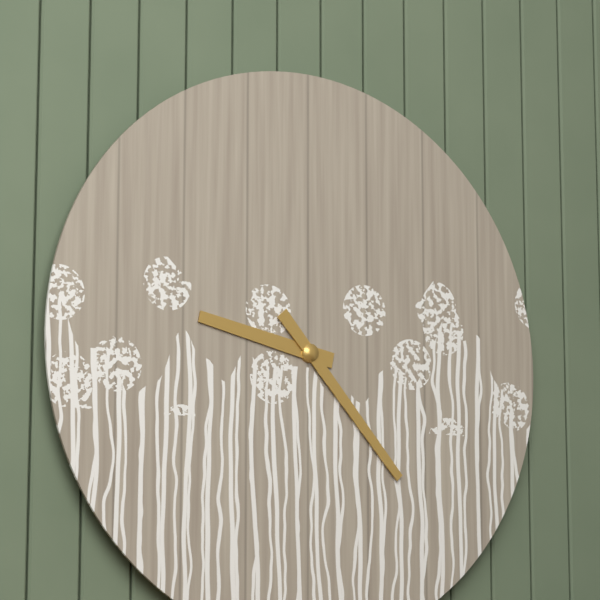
**9:23**
